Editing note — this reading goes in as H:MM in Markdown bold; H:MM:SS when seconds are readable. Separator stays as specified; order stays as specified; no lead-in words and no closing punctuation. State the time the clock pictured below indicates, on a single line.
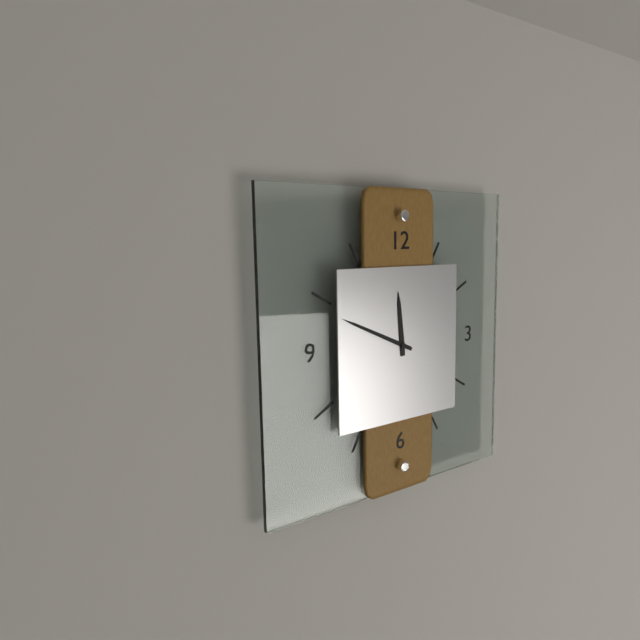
**11:49**
